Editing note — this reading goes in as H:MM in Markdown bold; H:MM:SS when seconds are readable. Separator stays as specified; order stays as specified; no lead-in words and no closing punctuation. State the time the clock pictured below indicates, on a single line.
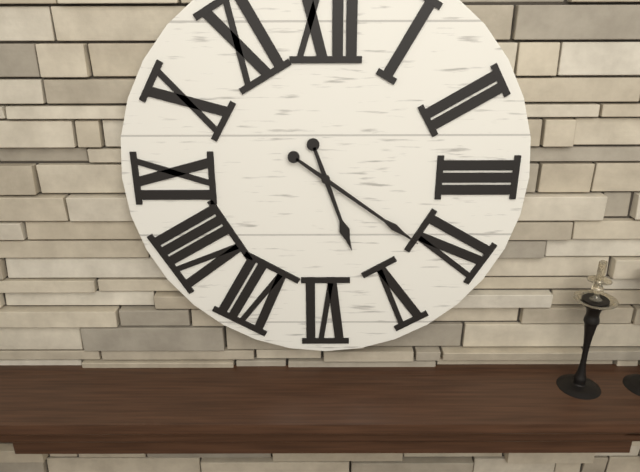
**5:21**
